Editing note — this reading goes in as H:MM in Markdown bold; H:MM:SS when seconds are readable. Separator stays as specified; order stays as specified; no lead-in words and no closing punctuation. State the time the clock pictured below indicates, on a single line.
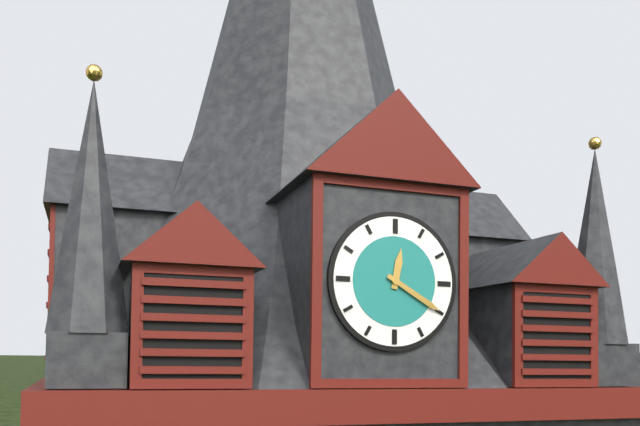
**12:20**
